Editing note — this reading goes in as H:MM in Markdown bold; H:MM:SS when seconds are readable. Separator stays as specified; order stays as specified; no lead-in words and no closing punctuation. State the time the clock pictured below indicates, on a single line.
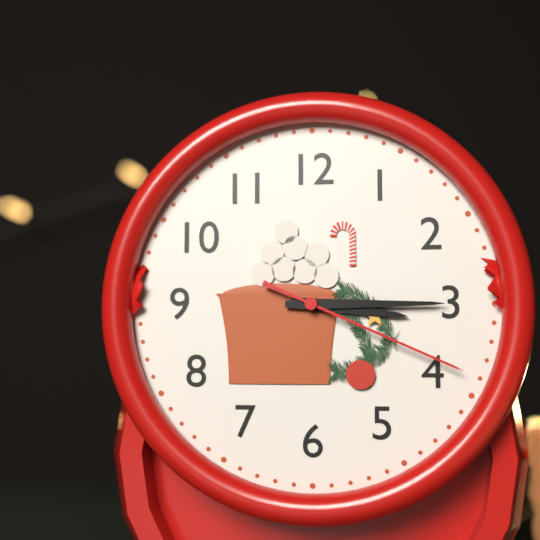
**3:15:19**
